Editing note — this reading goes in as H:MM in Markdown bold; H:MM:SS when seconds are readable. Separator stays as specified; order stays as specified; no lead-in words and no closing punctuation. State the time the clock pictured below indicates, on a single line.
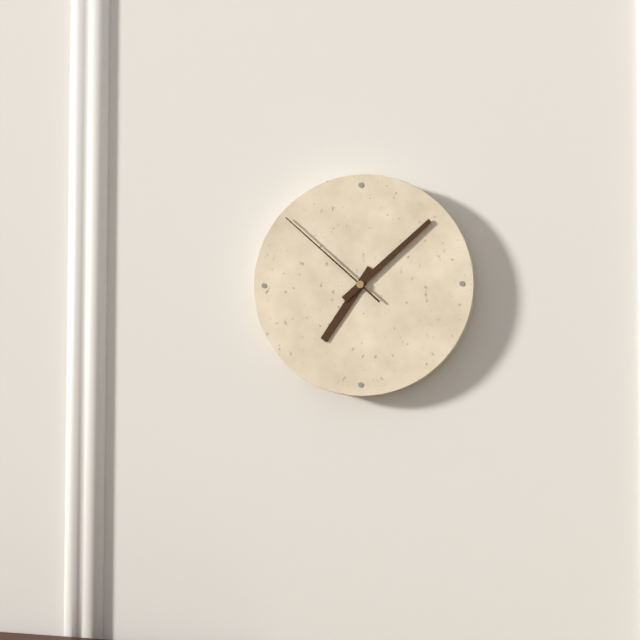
**7:08:52**
